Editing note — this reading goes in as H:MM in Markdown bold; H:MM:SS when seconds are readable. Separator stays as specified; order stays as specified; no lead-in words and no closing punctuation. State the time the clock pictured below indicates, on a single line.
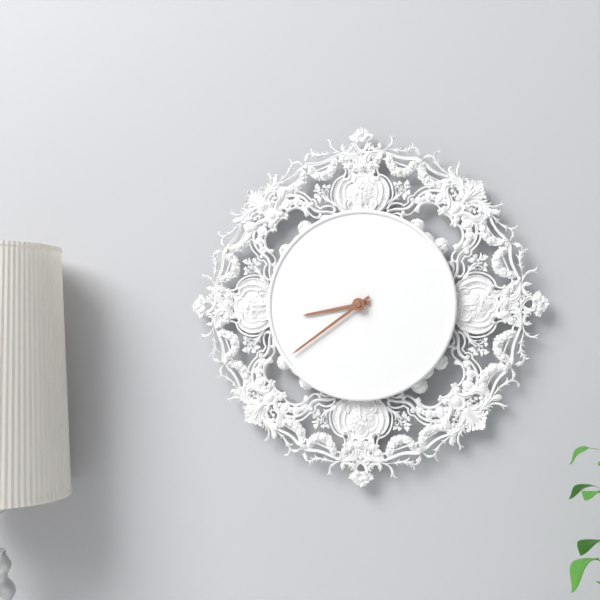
**8:39**
